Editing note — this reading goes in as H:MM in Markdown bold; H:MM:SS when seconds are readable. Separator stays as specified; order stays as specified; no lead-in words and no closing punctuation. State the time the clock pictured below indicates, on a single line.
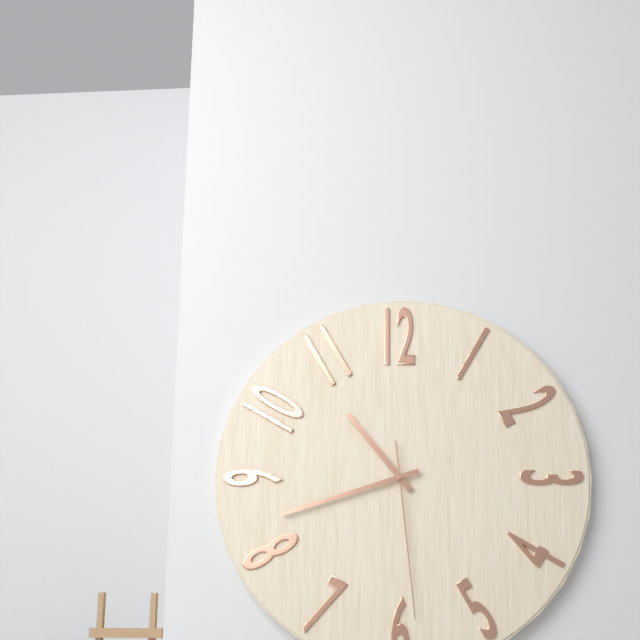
**10:42:29**
